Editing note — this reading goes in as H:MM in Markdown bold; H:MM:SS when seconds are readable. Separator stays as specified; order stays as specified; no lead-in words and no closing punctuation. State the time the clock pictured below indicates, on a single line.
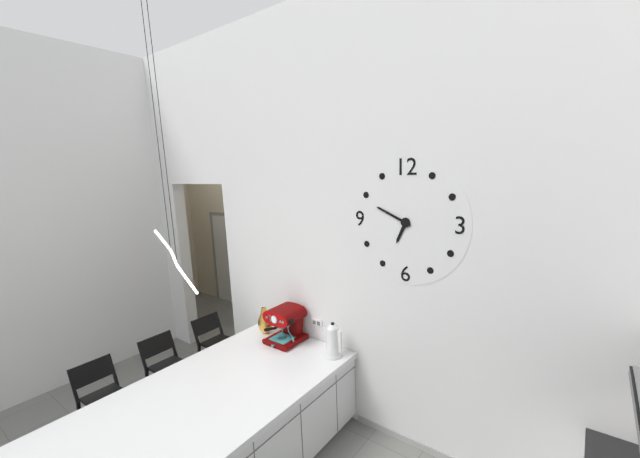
**6:49**
